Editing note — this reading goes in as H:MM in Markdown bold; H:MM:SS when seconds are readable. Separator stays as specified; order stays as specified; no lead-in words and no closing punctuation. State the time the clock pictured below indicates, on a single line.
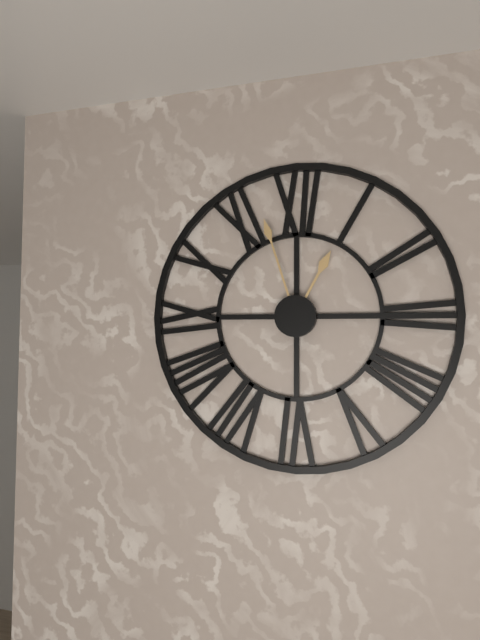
**12:57**
